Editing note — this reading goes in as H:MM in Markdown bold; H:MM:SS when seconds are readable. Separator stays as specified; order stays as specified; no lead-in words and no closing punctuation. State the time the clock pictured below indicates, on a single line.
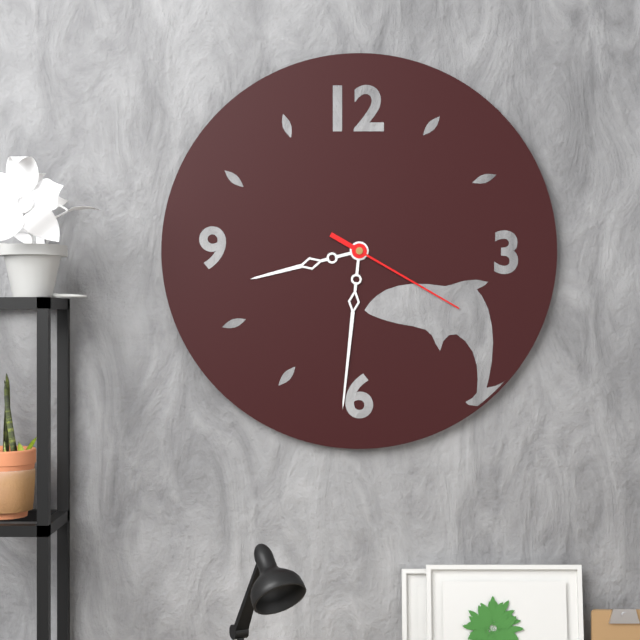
**8:31:20**
